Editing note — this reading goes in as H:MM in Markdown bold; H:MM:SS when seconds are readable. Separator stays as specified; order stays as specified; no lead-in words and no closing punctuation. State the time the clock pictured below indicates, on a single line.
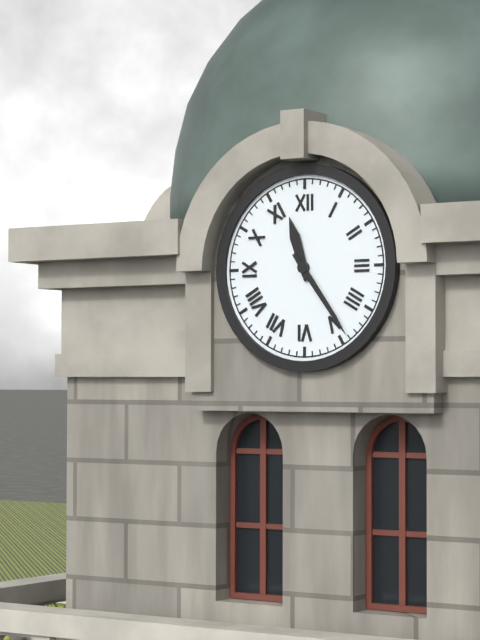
**11:24**
